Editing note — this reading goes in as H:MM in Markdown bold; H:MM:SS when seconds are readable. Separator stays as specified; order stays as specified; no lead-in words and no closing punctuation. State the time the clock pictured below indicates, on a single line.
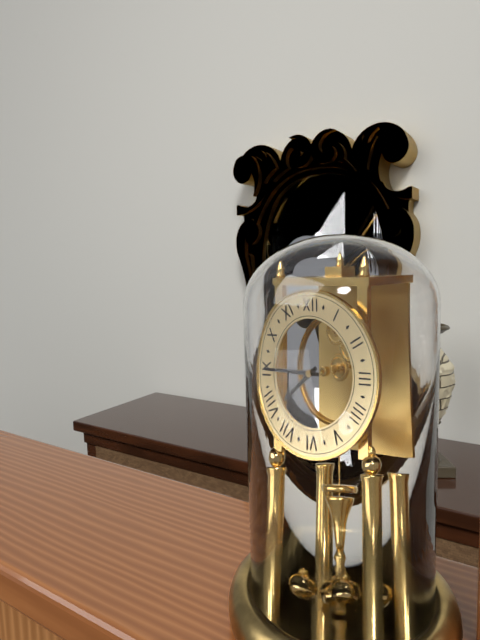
**7:45**
